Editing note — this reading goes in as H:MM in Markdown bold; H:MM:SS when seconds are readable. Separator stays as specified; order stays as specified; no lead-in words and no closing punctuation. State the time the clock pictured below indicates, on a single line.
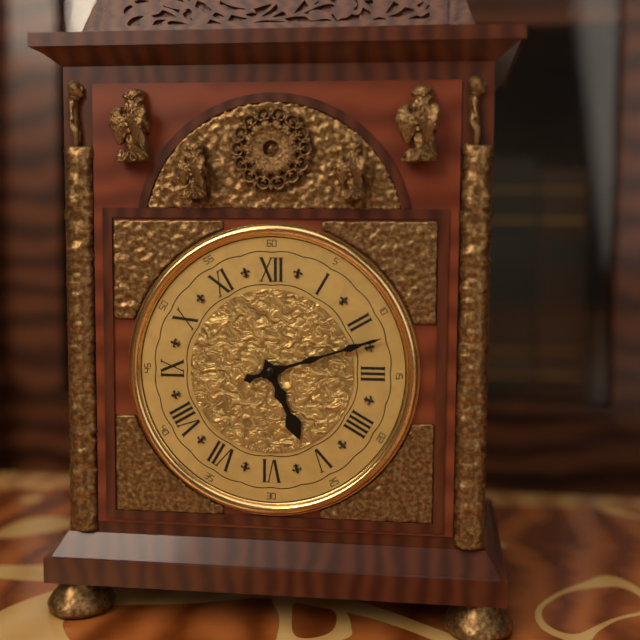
**5:12**
